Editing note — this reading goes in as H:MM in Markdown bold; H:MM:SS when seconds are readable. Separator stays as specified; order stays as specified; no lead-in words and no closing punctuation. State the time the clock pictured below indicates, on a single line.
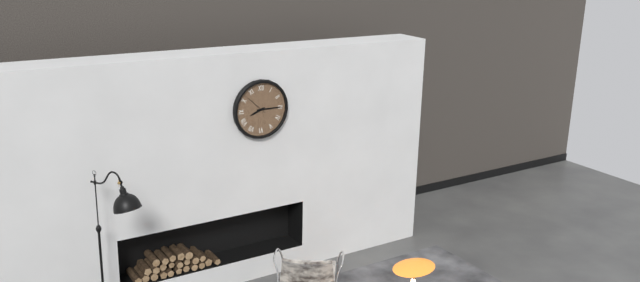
**8:15**
